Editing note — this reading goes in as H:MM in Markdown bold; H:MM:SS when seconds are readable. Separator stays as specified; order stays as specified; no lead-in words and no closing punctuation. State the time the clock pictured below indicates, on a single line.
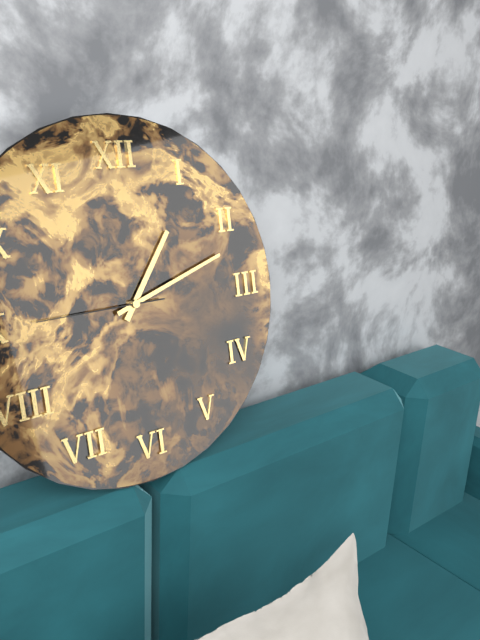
**1:12:45**
